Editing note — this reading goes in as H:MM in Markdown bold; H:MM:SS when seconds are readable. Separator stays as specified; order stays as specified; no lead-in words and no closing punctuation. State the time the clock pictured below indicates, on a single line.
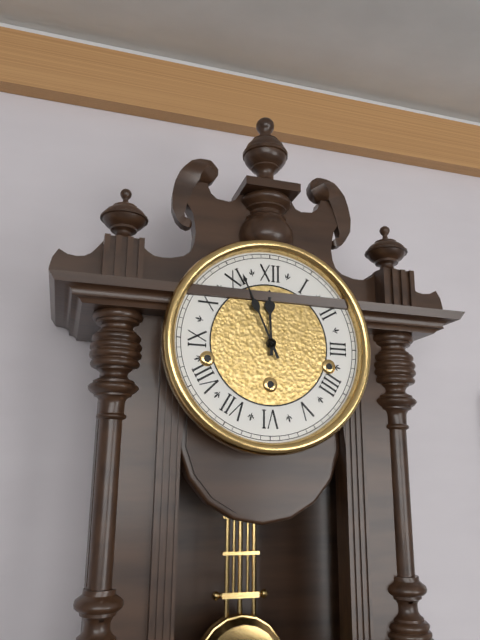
**11:56**
